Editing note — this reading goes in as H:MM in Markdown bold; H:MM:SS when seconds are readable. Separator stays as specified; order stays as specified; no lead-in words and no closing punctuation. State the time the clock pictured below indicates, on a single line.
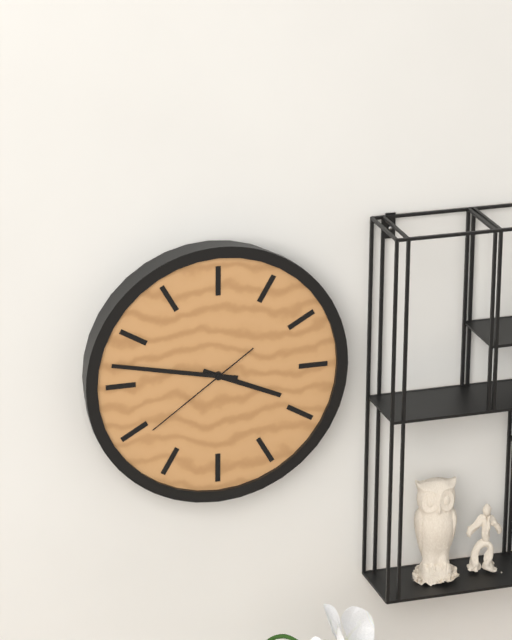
**3:47:39**
